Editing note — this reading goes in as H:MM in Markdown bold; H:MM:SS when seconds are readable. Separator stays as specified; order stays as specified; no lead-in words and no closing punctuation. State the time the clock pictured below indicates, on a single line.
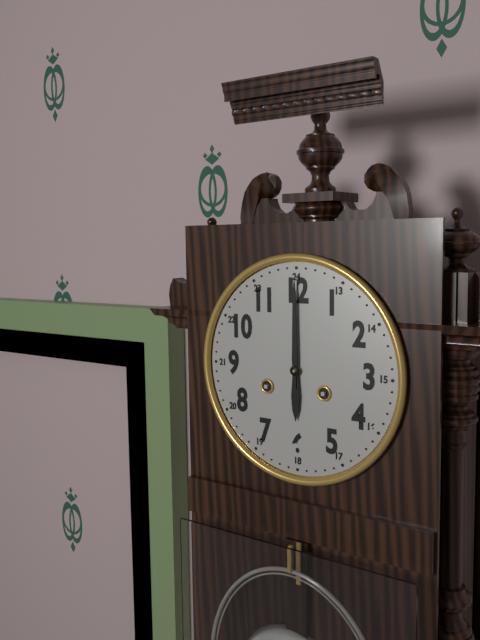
**6:00**
